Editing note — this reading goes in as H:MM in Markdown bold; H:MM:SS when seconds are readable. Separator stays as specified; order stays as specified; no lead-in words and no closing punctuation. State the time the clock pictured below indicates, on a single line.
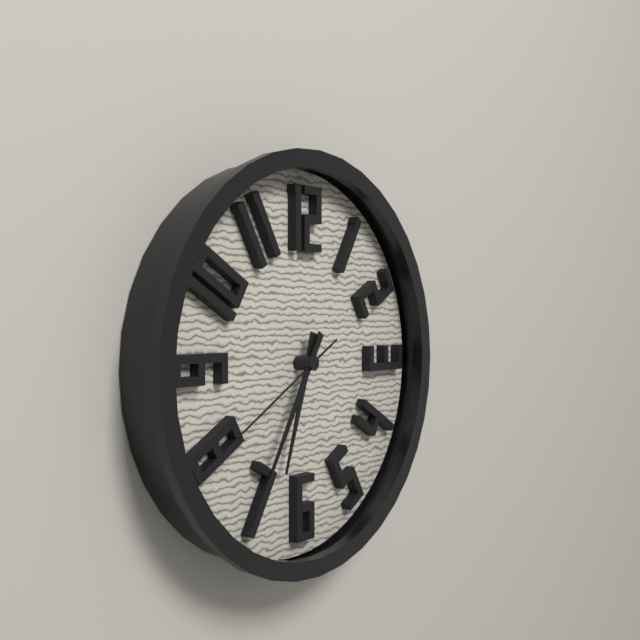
**6:35:40**
